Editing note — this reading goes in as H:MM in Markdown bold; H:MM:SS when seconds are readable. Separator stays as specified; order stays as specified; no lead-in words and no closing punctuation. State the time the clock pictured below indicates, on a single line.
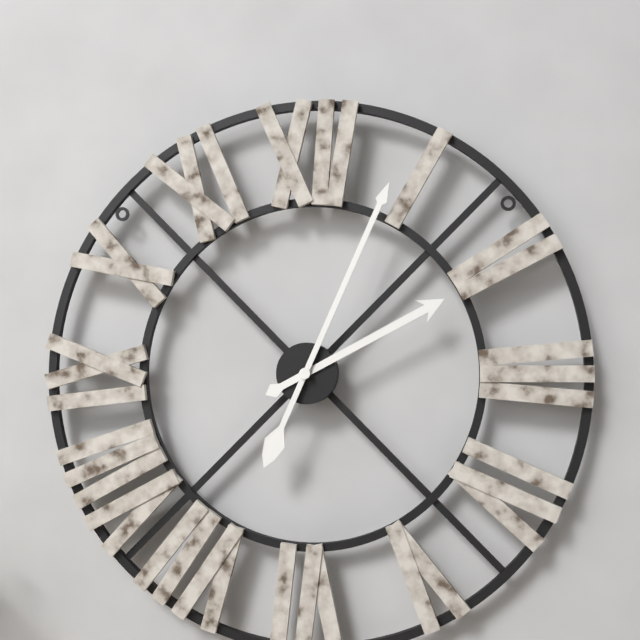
**2:04**
